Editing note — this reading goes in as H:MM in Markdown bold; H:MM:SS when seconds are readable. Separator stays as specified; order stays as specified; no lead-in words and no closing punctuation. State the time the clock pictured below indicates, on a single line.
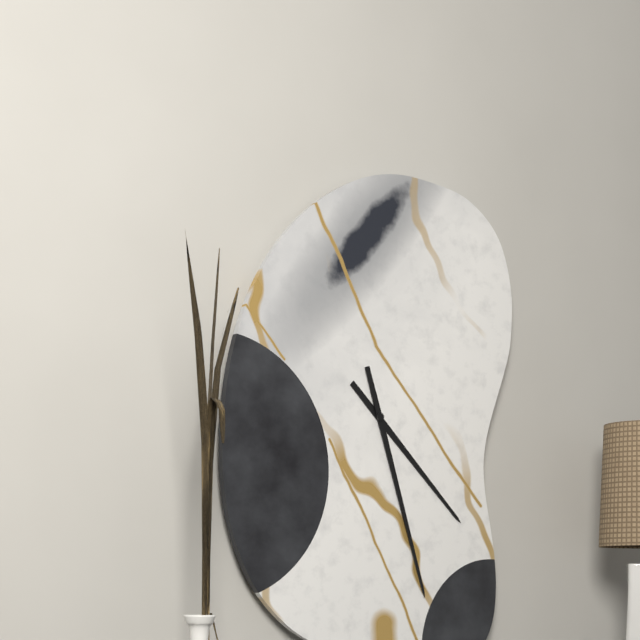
**4:27**
